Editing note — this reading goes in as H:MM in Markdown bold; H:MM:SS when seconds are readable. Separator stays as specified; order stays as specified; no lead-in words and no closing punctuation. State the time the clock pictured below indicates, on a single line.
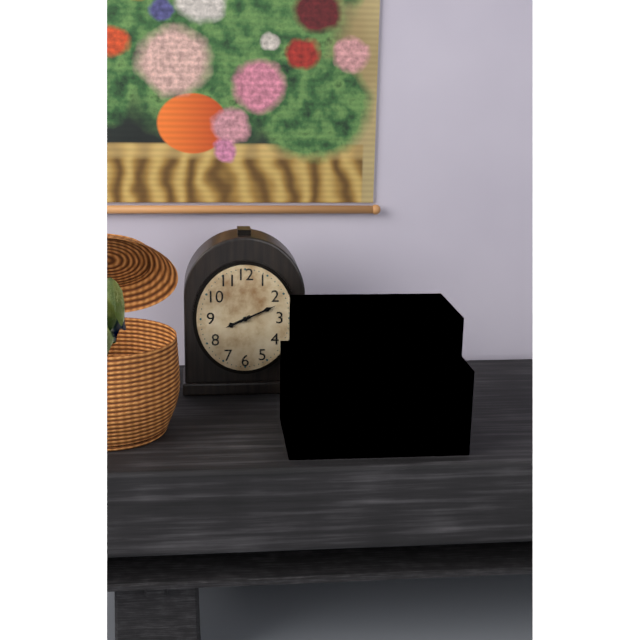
**8:11**
